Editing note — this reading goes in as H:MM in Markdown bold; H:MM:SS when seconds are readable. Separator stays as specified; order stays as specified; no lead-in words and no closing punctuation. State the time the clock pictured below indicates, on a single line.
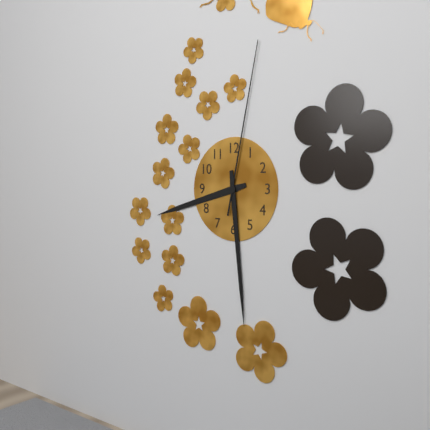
**8:29:02**
